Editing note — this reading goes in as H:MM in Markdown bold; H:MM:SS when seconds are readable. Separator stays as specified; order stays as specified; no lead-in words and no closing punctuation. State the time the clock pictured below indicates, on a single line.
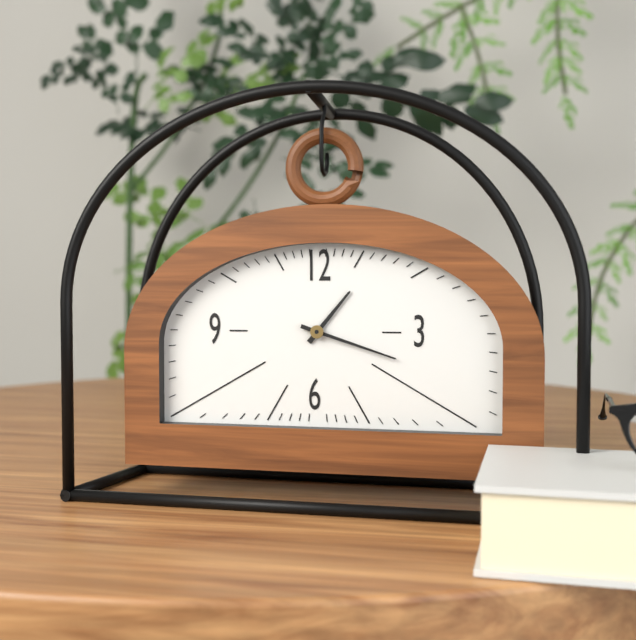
**1:18**
